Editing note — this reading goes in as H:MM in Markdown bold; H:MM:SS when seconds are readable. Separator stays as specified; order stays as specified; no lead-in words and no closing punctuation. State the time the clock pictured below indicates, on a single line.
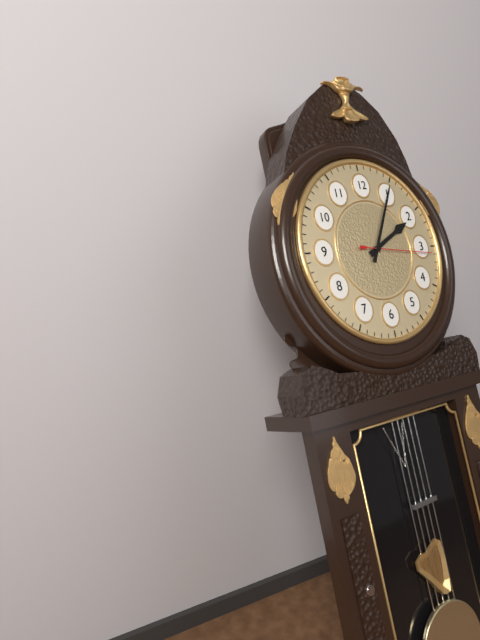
**2:05:16**
